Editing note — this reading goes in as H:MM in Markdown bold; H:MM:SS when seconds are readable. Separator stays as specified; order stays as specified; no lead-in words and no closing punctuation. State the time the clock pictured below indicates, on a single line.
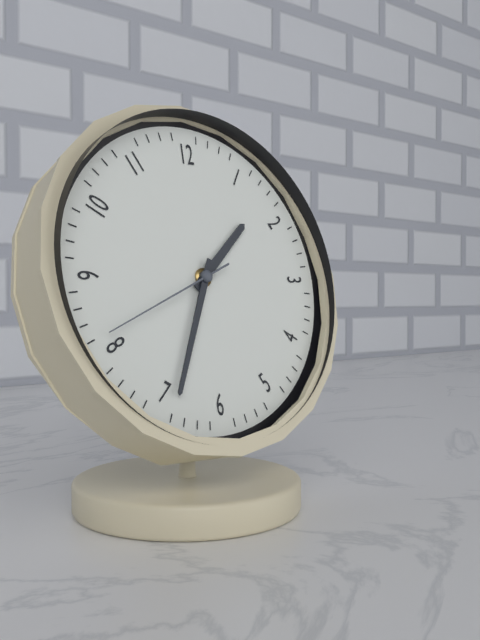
**1:34:41**
